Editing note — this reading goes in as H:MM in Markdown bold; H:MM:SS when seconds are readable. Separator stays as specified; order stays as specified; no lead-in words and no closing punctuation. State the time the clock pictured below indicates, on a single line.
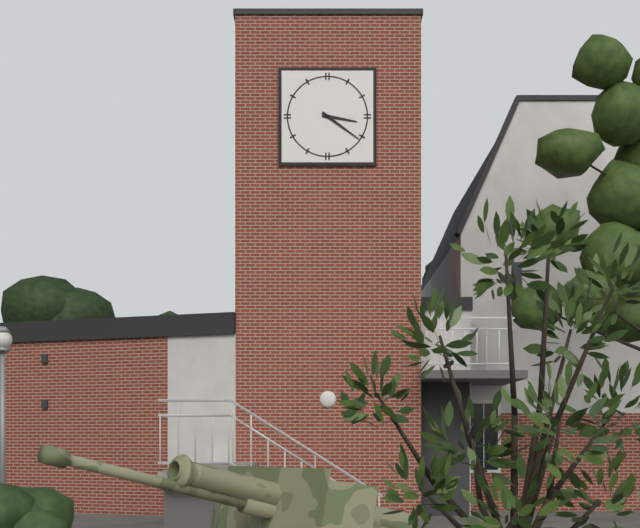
**3:21**
